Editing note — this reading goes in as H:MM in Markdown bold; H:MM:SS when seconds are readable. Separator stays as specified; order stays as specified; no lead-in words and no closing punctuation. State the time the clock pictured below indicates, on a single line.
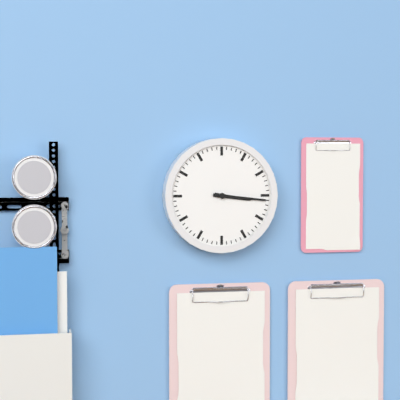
**3:16**
